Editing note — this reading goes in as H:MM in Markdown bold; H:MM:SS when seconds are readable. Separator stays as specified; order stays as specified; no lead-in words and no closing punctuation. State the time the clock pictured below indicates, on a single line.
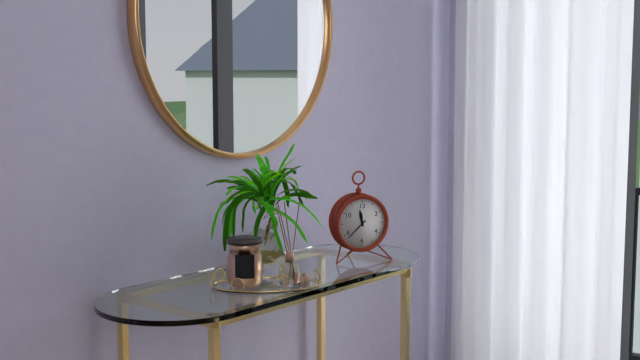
**11:38**
